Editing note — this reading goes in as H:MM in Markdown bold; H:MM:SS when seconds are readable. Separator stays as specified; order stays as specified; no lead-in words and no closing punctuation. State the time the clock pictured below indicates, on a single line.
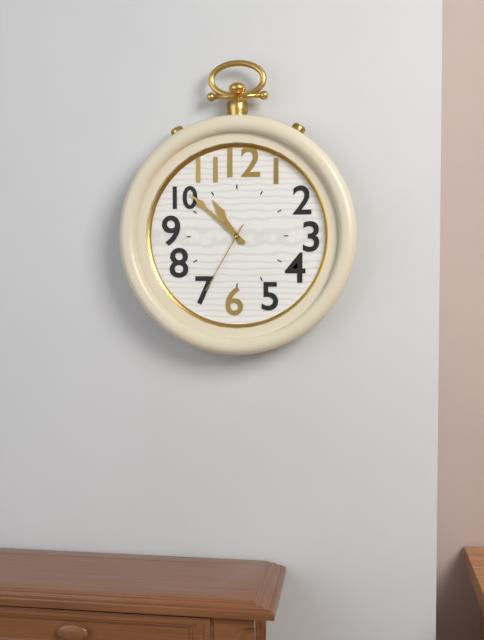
**10:52:35**
